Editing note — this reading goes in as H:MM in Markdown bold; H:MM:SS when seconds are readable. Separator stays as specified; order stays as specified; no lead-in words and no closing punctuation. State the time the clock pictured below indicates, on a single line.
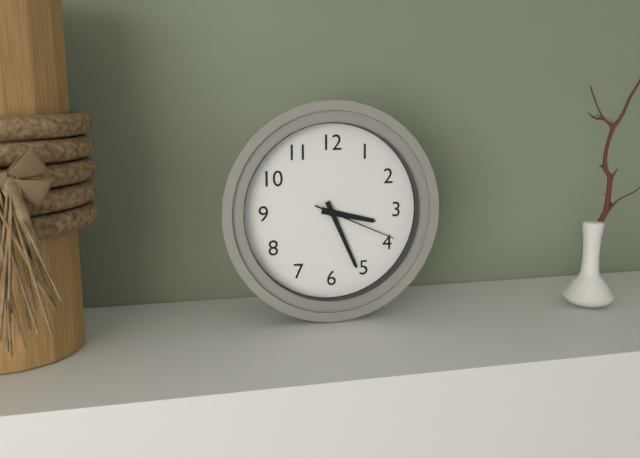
**3:26:19**
